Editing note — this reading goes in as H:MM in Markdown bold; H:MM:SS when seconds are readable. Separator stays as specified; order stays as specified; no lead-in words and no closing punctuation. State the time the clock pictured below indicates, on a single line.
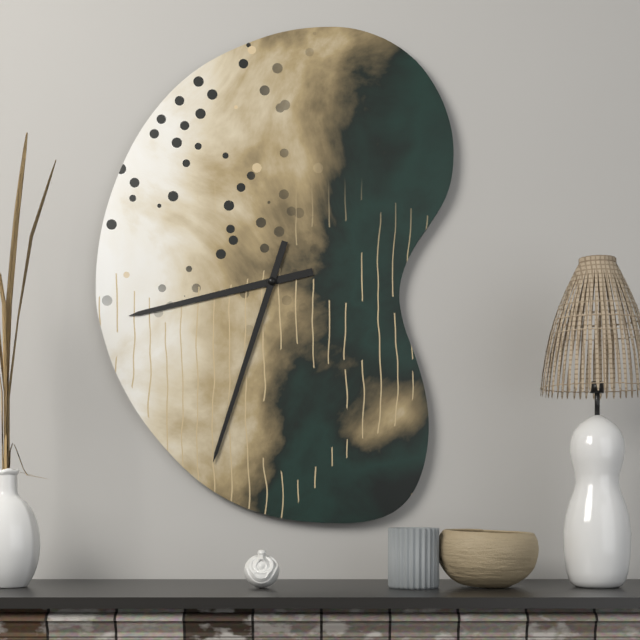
**8:33**
